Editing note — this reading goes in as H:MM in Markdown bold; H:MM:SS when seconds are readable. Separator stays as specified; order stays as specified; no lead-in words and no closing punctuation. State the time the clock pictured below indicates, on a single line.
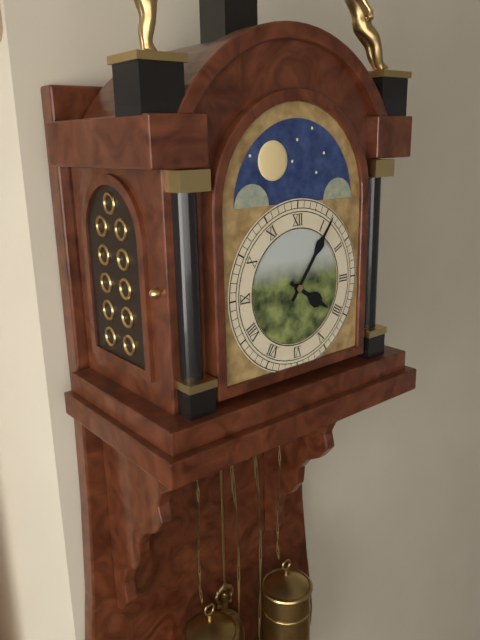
**4:06**
